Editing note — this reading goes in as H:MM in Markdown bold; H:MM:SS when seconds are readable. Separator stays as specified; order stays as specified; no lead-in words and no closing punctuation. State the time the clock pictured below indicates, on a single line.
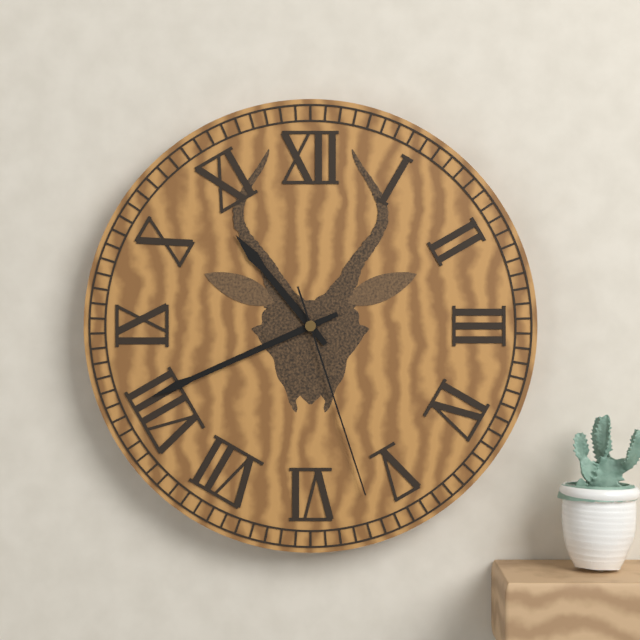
**10:41:27**
